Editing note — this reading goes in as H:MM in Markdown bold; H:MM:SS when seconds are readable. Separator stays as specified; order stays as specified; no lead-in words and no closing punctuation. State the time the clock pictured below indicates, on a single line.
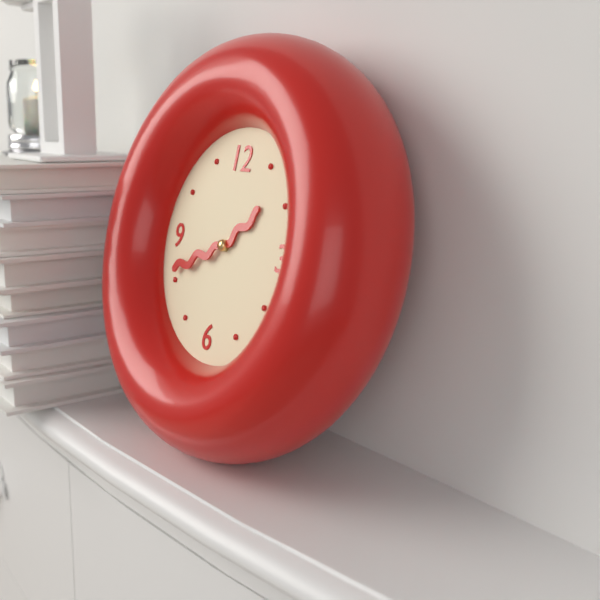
**1:41**
